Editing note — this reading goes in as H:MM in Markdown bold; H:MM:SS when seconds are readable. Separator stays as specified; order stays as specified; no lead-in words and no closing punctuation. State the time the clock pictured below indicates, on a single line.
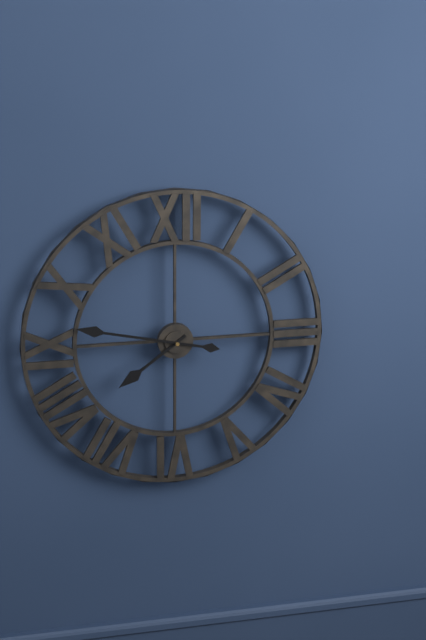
**7:47**
